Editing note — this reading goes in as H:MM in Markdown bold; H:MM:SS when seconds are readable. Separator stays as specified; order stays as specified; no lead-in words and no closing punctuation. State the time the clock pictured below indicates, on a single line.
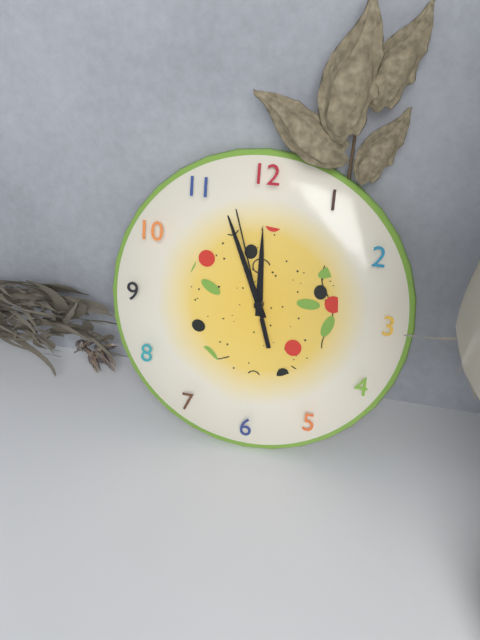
**11:56:57**
